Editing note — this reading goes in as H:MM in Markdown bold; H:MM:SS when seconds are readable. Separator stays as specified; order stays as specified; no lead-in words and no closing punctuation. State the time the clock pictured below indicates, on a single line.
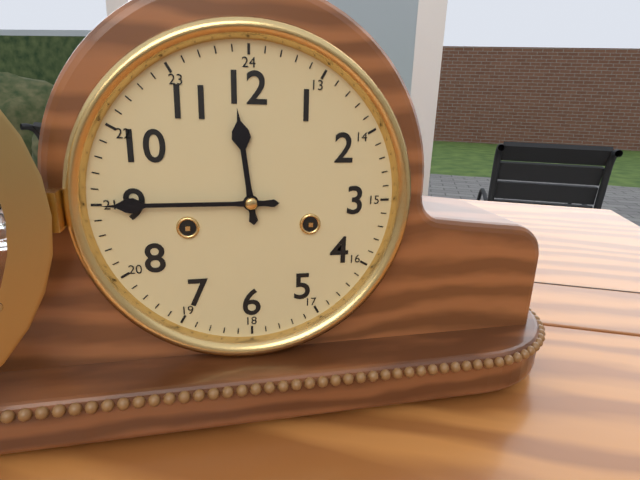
**11:45**
